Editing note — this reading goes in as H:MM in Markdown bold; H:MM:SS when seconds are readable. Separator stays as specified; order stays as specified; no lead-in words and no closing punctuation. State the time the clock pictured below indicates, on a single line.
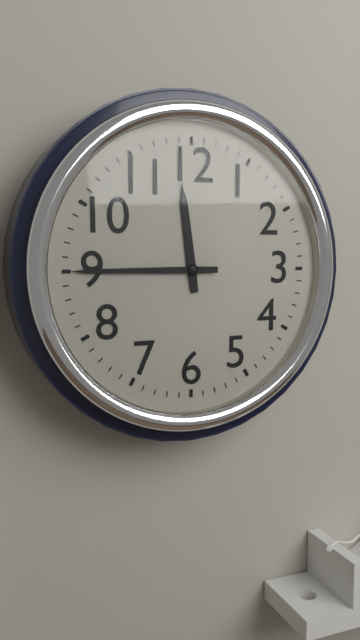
**11:45**
